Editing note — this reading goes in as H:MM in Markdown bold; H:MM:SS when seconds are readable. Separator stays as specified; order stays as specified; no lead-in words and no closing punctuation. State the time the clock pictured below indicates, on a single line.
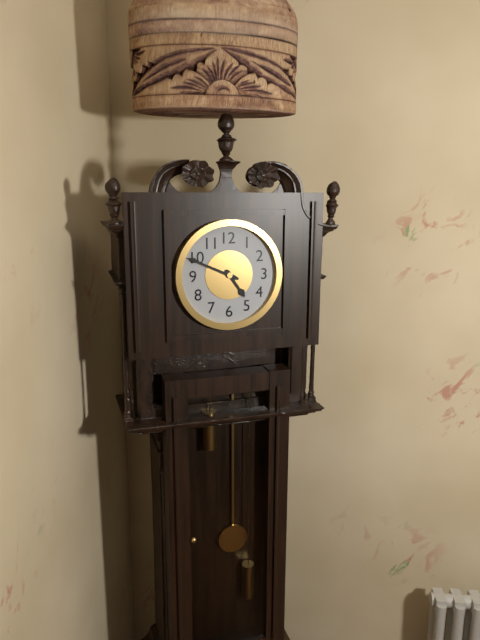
**4:49**
